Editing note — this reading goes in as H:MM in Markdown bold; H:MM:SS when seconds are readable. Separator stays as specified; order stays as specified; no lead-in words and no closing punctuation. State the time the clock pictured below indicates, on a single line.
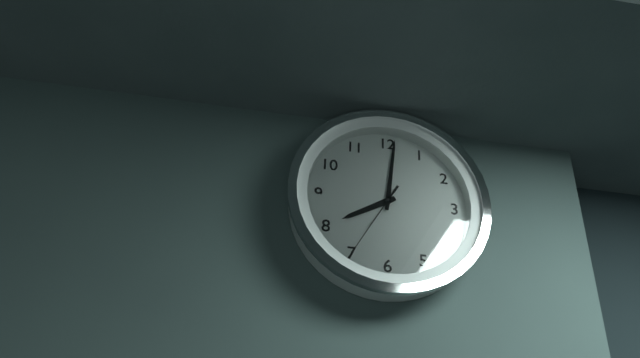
**8:01:35**
